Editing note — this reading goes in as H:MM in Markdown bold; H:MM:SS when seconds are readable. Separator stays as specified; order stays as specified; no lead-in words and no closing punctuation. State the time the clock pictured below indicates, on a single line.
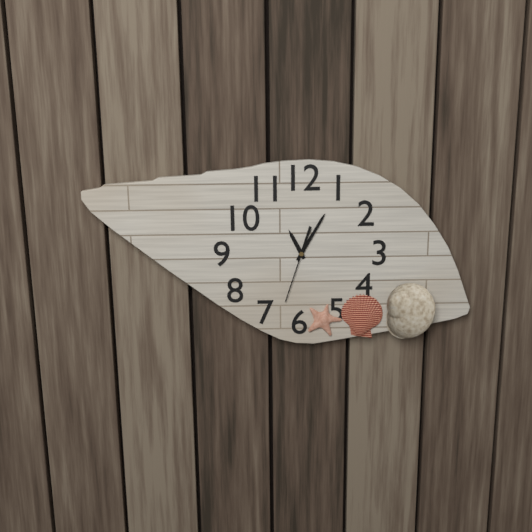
**11:05:33**
